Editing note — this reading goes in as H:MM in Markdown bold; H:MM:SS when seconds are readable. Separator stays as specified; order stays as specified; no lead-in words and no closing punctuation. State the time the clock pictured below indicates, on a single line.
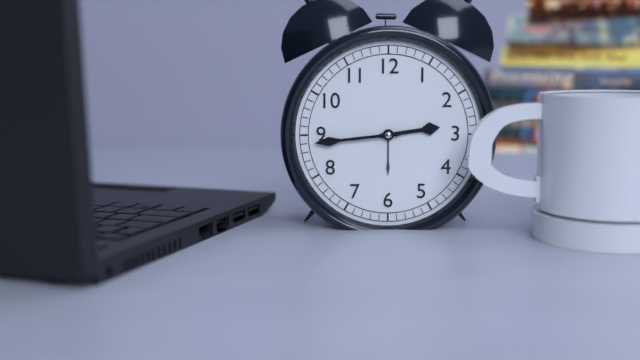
**2:44**
